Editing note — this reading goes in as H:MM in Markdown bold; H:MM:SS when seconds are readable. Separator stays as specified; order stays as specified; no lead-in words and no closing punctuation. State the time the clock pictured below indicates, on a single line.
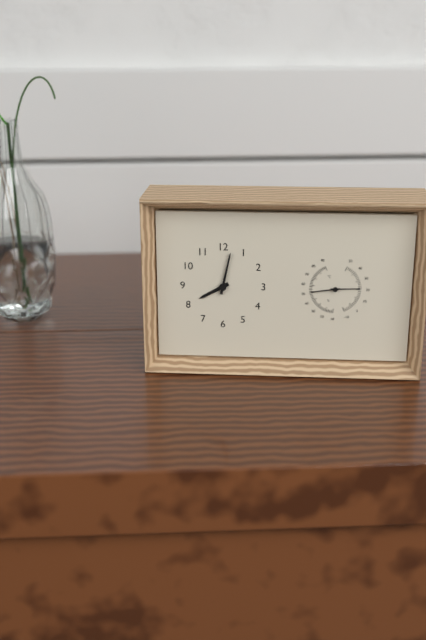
**8:02**
